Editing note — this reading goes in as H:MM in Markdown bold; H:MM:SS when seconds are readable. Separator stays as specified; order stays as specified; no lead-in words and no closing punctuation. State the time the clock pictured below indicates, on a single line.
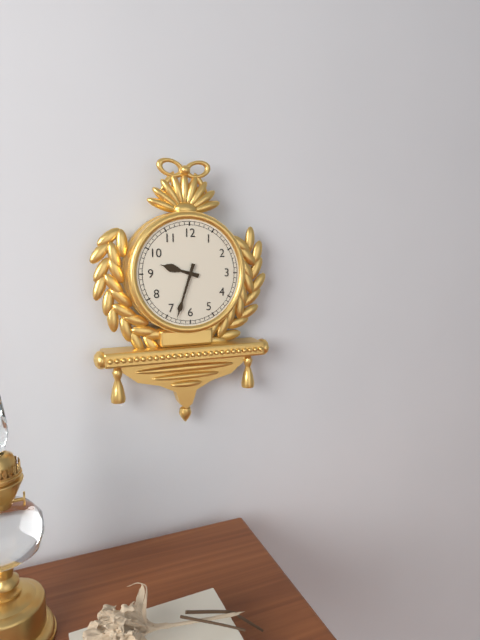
**9:33**
